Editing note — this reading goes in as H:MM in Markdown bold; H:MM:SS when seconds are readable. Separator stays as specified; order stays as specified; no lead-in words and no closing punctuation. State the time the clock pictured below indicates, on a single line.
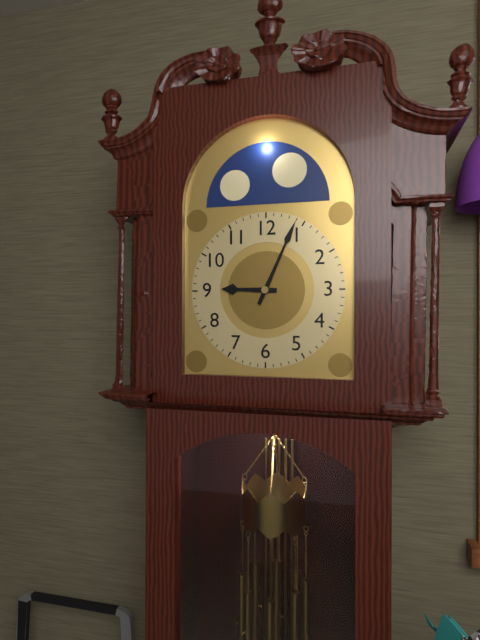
**9:04**
